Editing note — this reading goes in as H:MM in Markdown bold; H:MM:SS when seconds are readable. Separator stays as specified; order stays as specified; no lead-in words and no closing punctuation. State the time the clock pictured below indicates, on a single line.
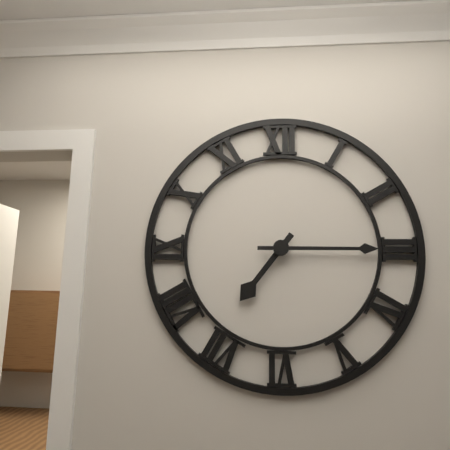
**7:15**
